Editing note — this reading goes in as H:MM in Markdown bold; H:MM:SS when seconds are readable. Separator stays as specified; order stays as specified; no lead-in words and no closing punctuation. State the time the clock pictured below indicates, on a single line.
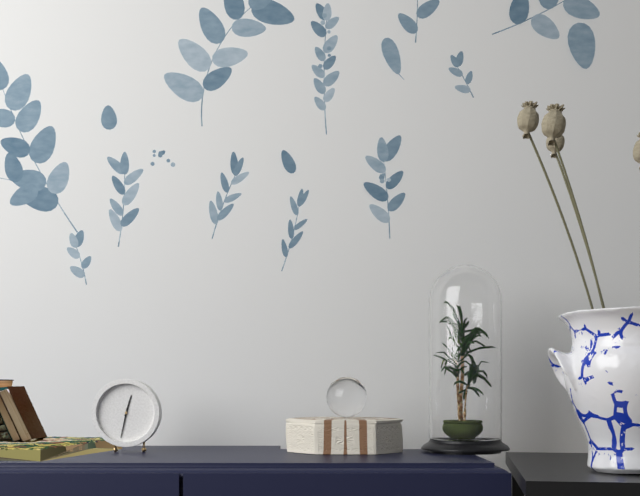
**12:32**
